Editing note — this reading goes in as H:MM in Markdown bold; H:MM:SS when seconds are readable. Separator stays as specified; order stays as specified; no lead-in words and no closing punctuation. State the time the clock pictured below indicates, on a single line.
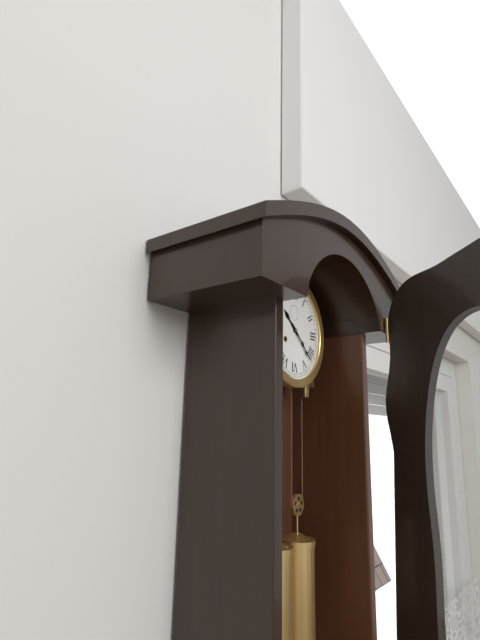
**10:22**
